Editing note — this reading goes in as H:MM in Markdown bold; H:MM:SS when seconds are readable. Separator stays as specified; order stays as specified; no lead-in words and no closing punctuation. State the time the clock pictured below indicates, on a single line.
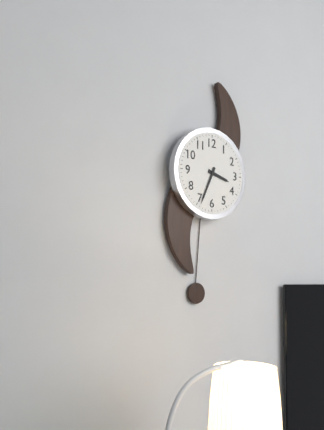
**3:34**
